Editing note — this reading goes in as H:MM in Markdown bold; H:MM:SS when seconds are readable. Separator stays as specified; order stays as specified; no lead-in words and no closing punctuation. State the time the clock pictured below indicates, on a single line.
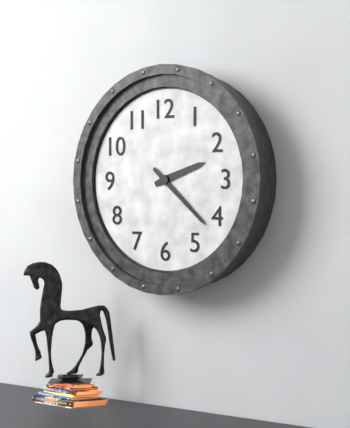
**2:22**
